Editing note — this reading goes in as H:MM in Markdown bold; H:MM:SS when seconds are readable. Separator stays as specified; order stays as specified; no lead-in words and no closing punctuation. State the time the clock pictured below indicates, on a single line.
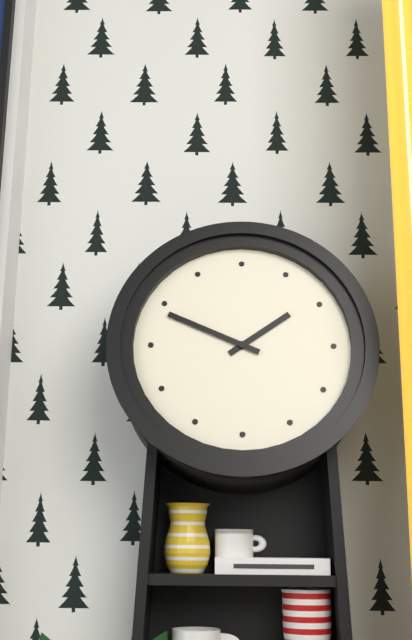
**1:49**
